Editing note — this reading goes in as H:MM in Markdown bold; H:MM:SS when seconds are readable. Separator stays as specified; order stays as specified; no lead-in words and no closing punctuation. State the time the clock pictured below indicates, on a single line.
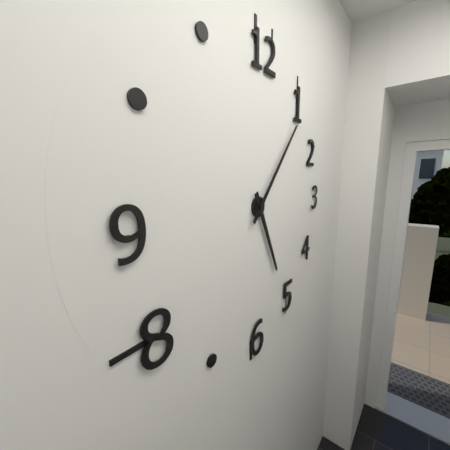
**5:07**
